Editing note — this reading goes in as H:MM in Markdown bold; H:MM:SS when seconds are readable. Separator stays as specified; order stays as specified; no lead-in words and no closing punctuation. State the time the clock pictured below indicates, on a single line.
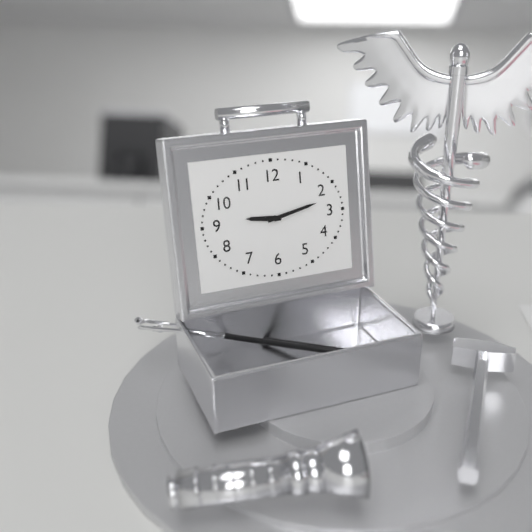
**9:13**
